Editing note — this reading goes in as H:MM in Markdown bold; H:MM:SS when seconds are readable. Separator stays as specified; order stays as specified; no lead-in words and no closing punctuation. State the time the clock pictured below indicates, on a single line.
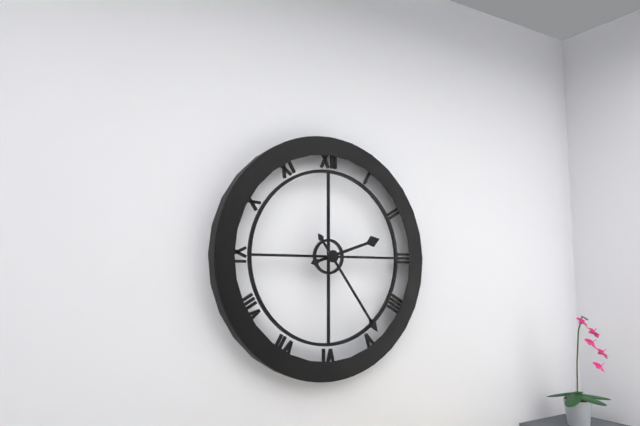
**2:24**
